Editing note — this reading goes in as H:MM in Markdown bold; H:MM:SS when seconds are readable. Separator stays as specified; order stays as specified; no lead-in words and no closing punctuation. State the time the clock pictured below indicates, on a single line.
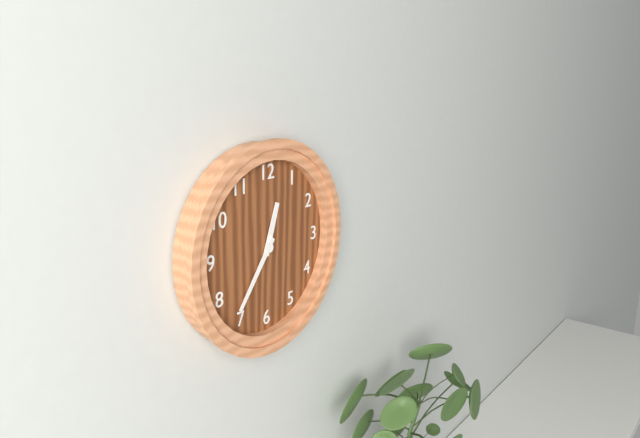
**12:36**
